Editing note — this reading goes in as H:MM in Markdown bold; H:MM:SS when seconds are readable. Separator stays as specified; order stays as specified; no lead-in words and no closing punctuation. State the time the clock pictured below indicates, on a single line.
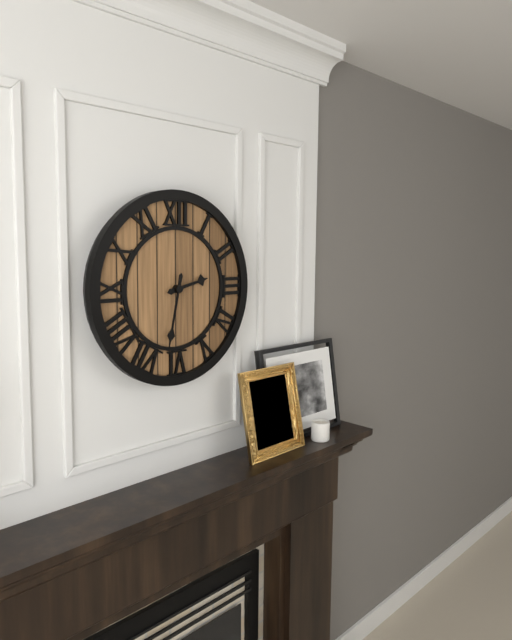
**2:32**
